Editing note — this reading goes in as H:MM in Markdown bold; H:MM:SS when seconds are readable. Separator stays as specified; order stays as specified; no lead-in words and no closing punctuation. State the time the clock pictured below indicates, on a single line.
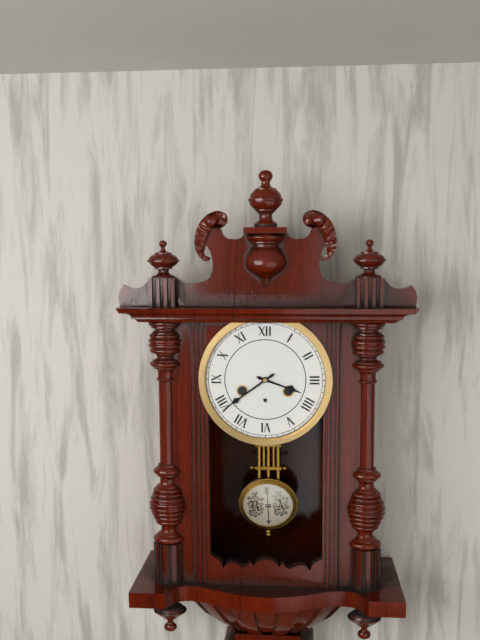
**3:39**
